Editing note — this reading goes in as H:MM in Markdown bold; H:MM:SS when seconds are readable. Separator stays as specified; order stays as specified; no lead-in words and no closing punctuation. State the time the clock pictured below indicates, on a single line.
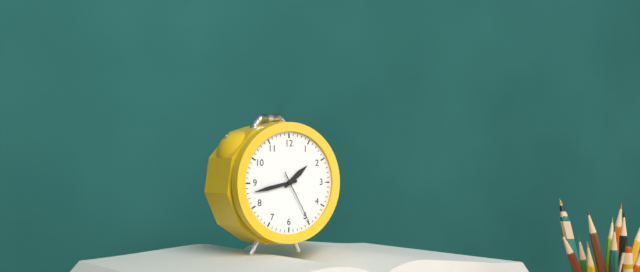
**1:43:25**
